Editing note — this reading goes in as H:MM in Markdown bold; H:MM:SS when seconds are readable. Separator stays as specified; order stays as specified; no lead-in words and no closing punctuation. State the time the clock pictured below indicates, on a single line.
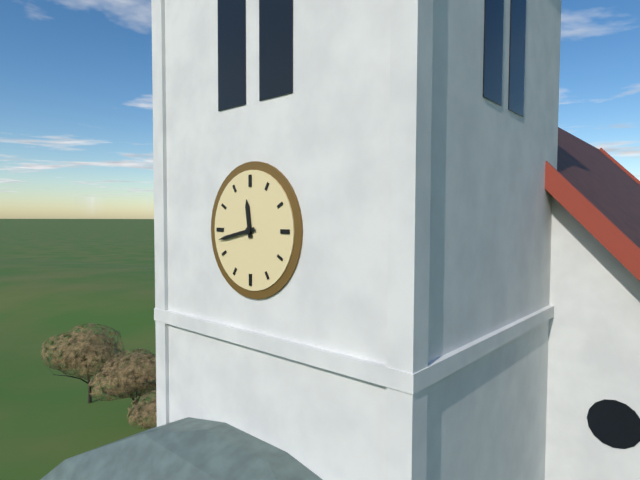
**11:43**
